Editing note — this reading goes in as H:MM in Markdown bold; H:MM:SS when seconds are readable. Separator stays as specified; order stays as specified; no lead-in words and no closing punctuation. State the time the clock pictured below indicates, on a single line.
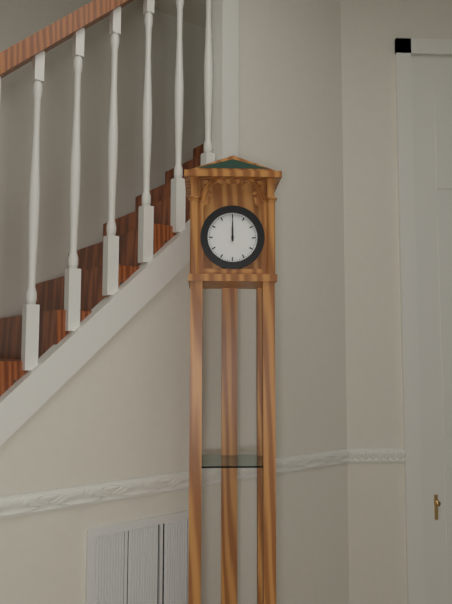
**12:00**
